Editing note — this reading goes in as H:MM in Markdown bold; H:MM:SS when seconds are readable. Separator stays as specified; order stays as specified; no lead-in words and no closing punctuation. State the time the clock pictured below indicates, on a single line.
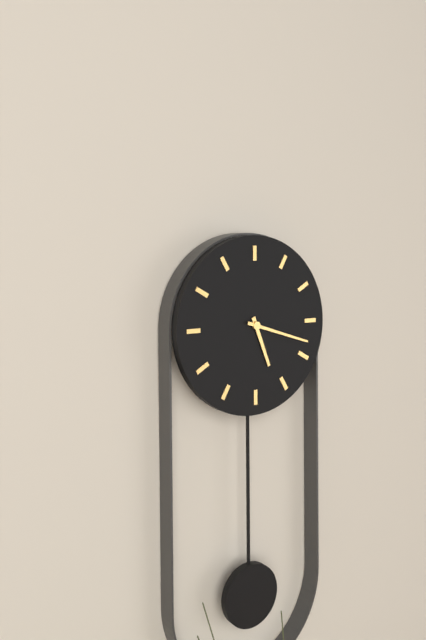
**5:18**
